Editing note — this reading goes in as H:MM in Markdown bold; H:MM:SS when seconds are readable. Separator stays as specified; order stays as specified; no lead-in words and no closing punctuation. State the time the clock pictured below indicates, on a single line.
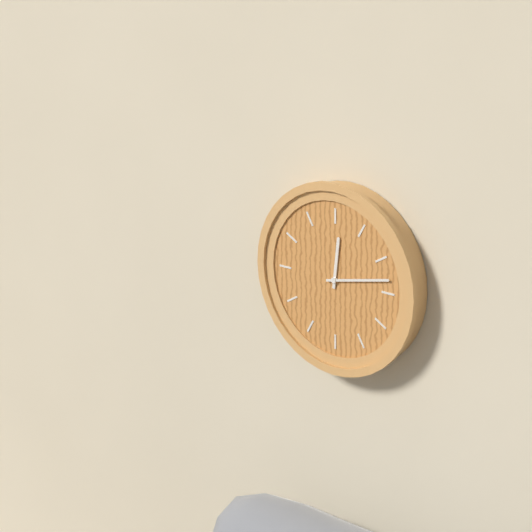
**12:13**
